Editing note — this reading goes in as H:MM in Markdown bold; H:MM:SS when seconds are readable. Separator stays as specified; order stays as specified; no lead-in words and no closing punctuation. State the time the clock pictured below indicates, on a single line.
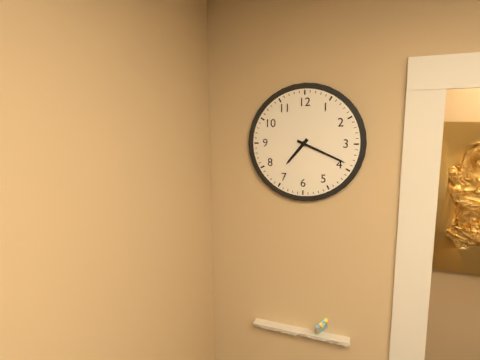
**7:19**
